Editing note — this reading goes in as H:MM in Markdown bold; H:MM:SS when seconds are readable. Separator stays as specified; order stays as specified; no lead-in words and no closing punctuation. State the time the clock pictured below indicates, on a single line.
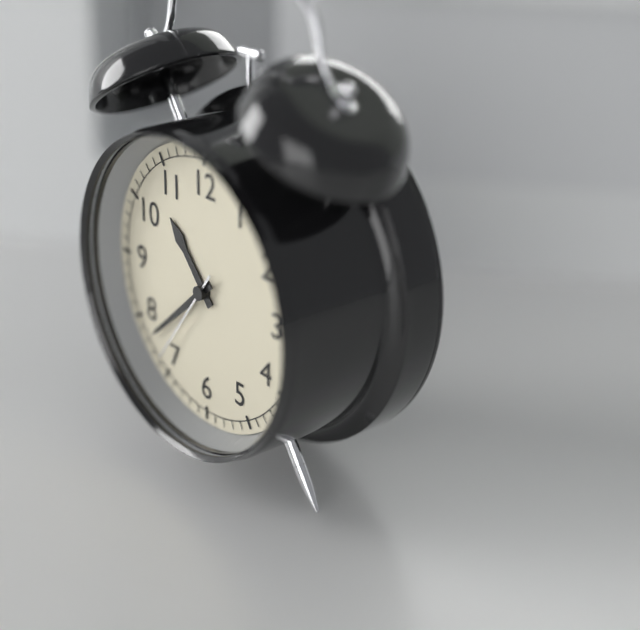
**10:38:36**
